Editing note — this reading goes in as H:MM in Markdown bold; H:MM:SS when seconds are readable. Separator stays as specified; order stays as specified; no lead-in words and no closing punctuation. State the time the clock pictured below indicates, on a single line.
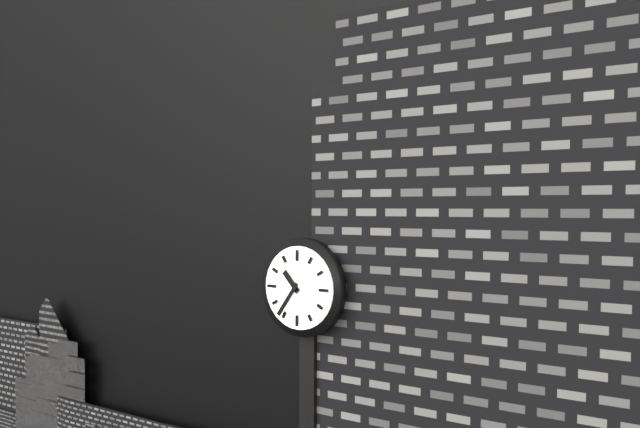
**10:36**
